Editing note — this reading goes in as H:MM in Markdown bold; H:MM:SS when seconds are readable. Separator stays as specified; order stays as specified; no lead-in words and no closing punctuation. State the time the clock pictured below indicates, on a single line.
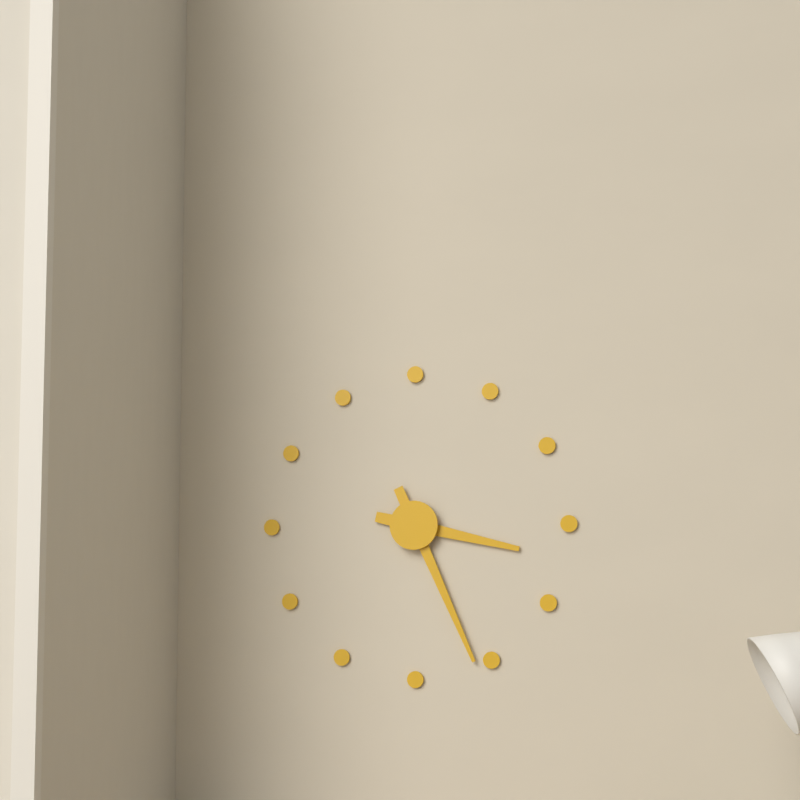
**3:26**
